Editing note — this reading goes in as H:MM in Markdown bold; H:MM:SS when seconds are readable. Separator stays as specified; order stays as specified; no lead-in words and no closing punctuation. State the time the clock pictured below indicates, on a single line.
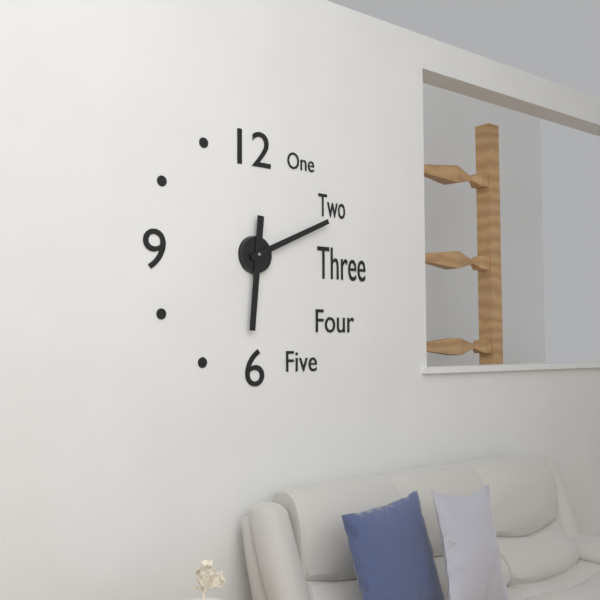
**6:11**
